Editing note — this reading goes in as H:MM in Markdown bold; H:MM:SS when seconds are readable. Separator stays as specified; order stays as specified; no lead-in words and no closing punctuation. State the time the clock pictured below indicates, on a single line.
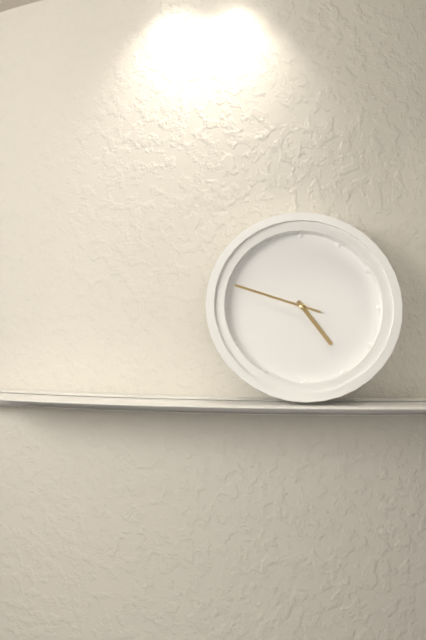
**4:48**
